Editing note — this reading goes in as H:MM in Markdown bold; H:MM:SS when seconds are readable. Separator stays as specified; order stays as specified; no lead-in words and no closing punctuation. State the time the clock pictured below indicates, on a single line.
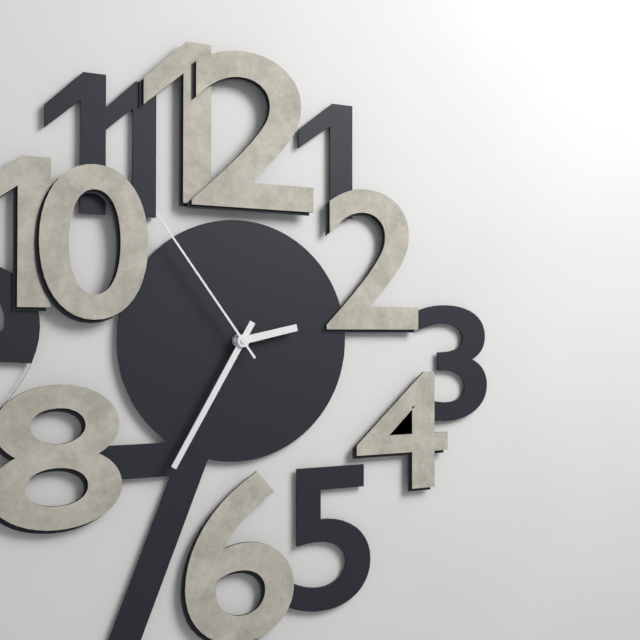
**2:35:54**
